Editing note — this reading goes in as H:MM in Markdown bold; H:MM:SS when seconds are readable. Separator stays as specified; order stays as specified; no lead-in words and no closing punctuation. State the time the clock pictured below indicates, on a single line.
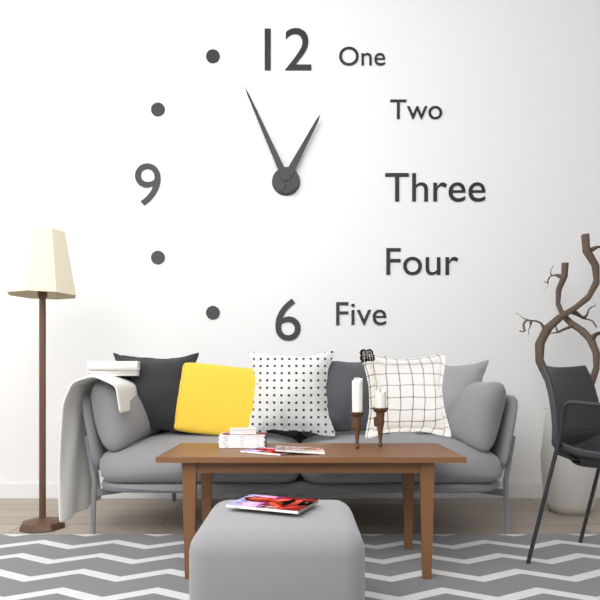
**12:56**
